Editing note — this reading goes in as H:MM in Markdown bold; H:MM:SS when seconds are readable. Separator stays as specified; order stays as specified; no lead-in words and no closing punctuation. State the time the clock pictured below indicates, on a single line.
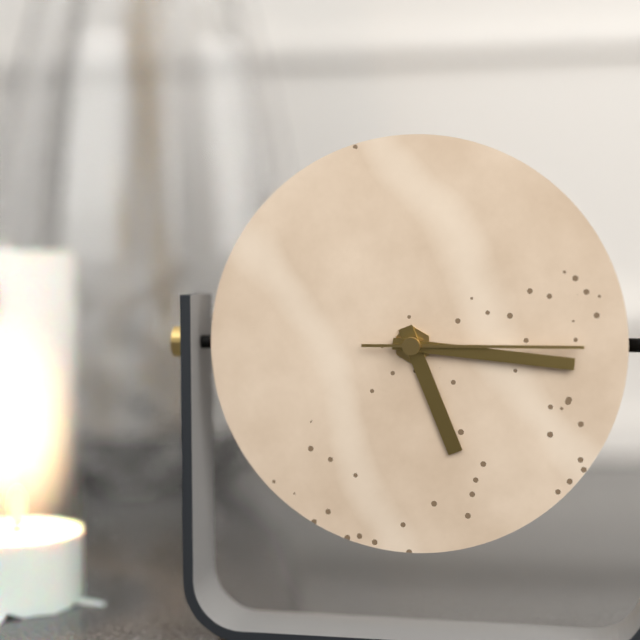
**5:16:15**
